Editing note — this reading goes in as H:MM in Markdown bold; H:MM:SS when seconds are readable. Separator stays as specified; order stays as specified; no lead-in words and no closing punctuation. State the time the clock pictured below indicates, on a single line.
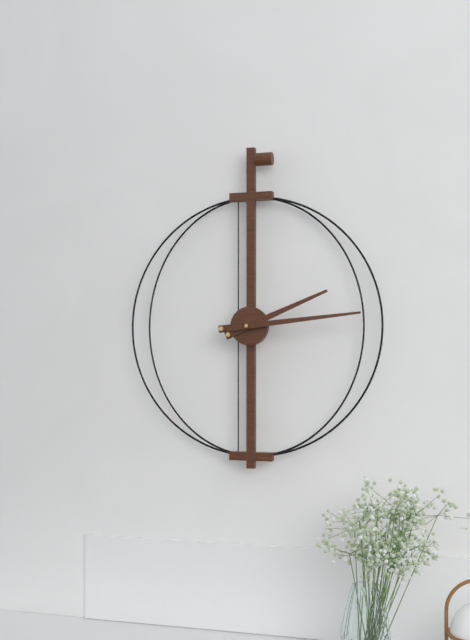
**2:14**
